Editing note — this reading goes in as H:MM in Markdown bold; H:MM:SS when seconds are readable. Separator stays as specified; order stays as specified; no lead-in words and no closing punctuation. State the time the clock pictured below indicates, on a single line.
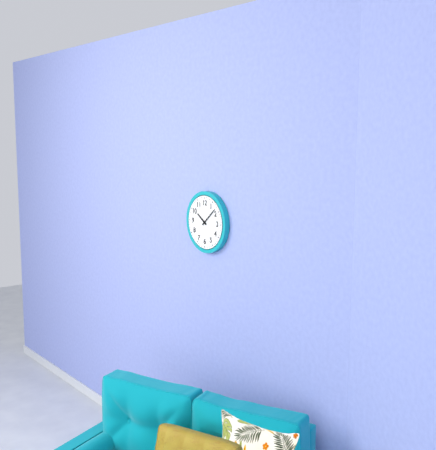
**10:08**
